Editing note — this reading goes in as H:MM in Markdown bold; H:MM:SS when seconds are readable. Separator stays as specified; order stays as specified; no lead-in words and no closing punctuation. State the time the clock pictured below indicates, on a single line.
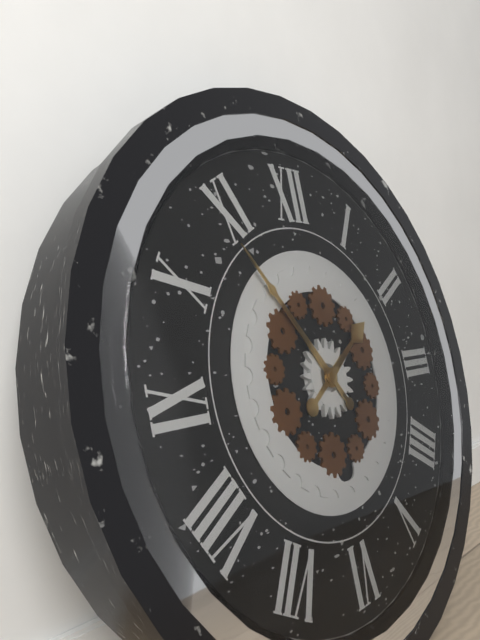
**1:54**
